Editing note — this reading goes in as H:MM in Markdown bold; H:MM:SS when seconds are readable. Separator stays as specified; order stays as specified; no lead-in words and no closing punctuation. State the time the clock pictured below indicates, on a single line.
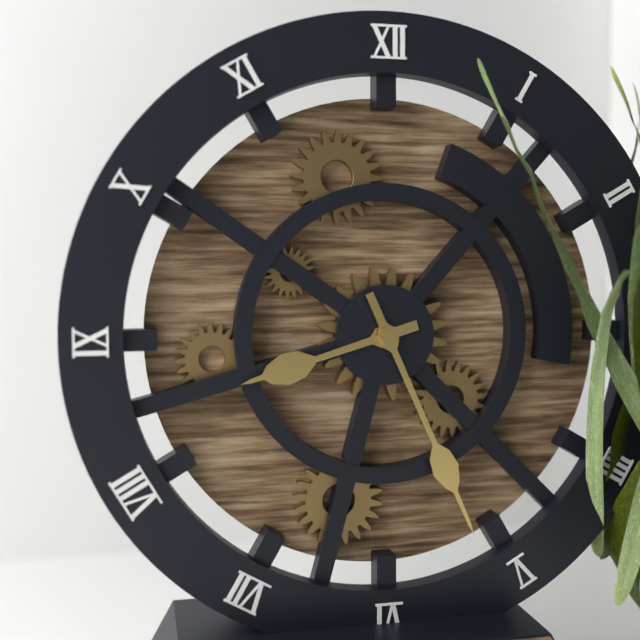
**8:26**
